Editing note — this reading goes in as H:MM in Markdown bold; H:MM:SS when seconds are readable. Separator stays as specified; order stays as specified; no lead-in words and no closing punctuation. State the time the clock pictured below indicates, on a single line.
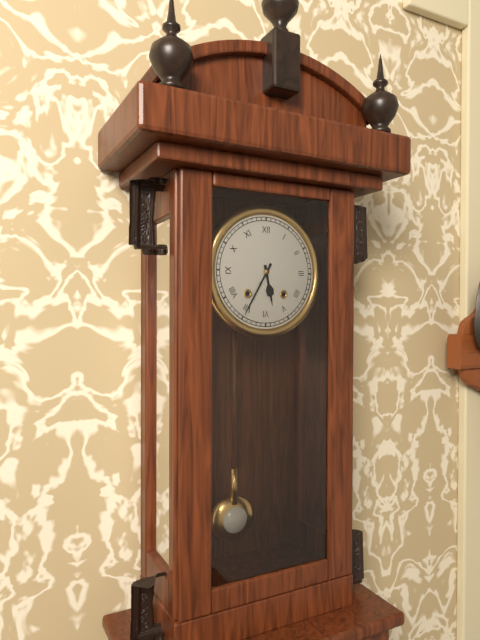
**5:35**
